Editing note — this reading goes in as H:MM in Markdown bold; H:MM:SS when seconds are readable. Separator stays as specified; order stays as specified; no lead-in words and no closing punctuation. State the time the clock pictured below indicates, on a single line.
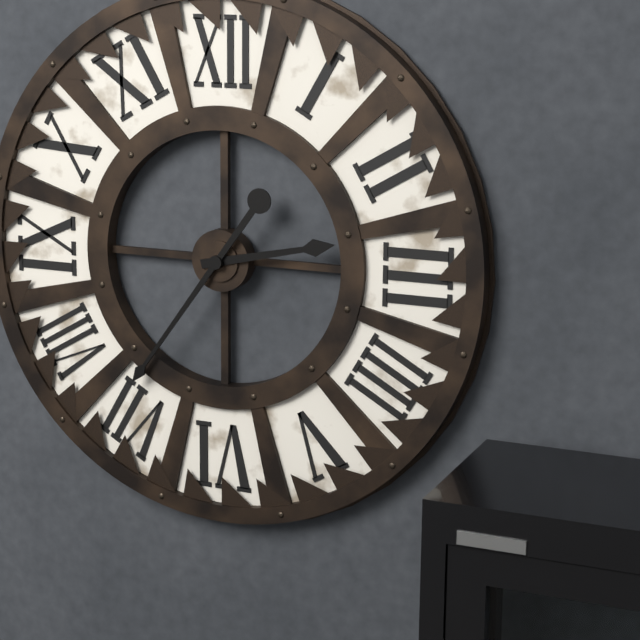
**2:36**
